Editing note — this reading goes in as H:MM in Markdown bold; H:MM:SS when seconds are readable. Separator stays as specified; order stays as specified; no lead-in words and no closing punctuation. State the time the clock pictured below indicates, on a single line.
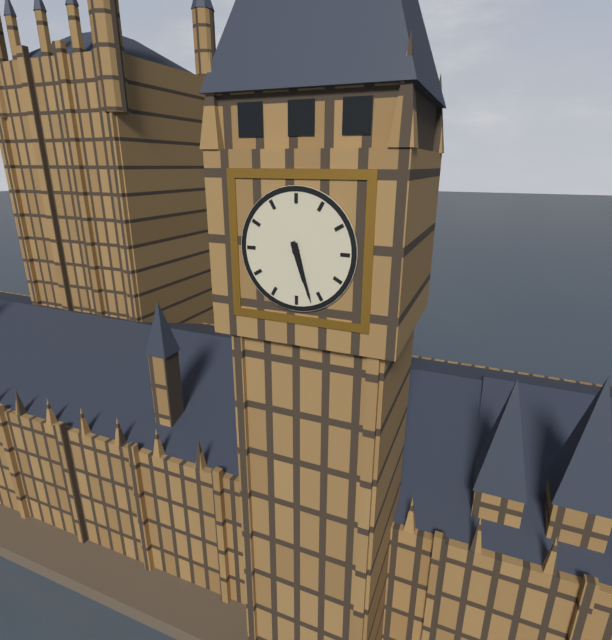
**5:27**
